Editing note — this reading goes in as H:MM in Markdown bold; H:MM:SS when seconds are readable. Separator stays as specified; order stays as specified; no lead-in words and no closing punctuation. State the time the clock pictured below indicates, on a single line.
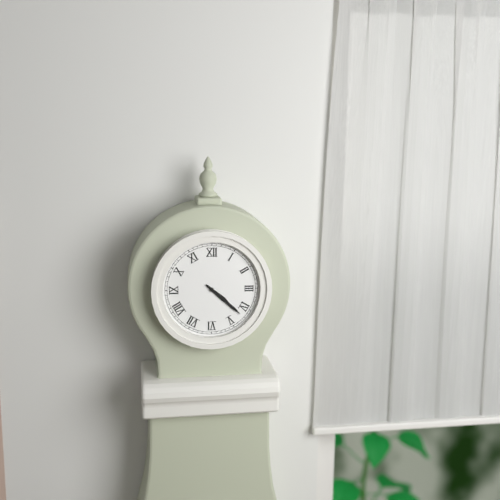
**4:22**
